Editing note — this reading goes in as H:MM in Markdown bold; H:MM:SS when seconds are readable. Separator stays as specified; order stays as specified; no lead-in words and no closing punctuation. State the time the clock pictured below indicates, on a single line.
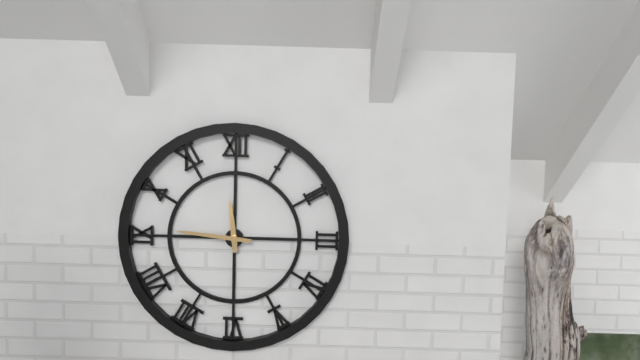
**11:46**
